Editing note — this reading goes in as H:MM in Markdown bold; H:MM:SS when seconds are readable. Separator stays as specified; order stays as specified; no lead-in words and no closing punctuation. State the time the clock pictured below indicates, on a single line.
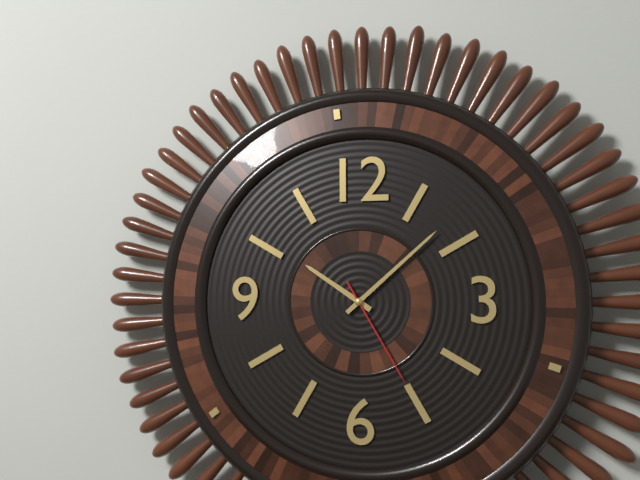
**10:08:25**
